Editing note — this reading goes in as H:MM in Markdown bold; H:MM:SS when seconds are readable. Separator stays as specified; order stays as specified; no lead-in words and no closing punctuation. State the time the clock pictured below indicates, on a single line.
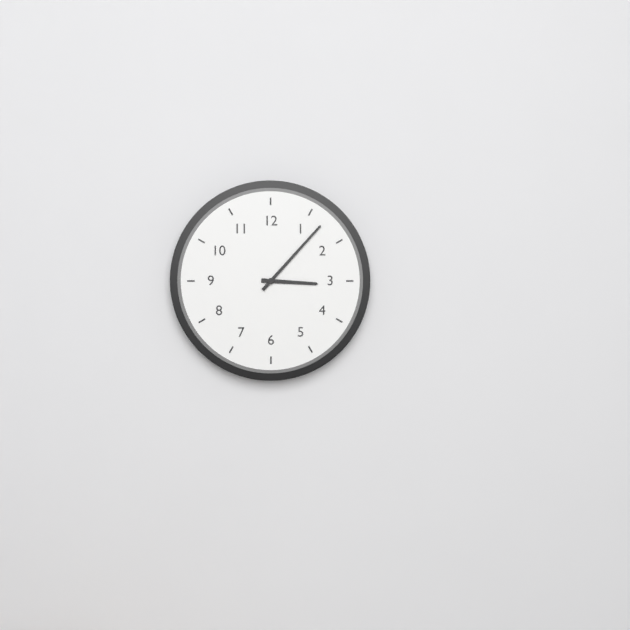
**3:07**
